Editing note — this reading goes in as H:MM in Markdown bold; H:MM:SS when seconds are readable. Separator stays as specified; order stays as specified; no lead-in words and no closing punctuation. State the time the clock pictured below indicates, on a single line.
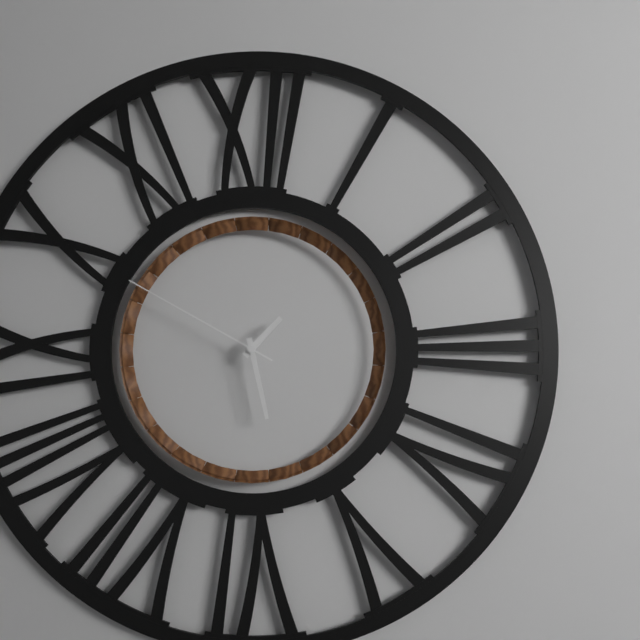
**1:28:50**
